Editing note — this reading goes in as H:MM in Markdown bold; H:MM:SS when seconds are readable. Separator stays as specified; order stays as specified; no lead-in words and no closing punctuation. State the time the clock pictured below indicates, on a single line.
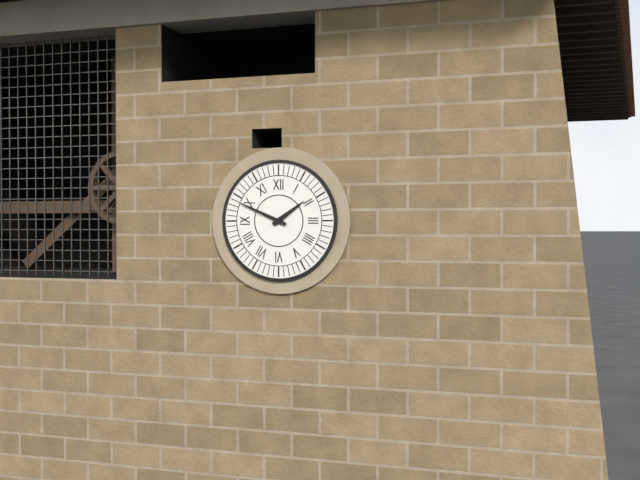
**1:49**
